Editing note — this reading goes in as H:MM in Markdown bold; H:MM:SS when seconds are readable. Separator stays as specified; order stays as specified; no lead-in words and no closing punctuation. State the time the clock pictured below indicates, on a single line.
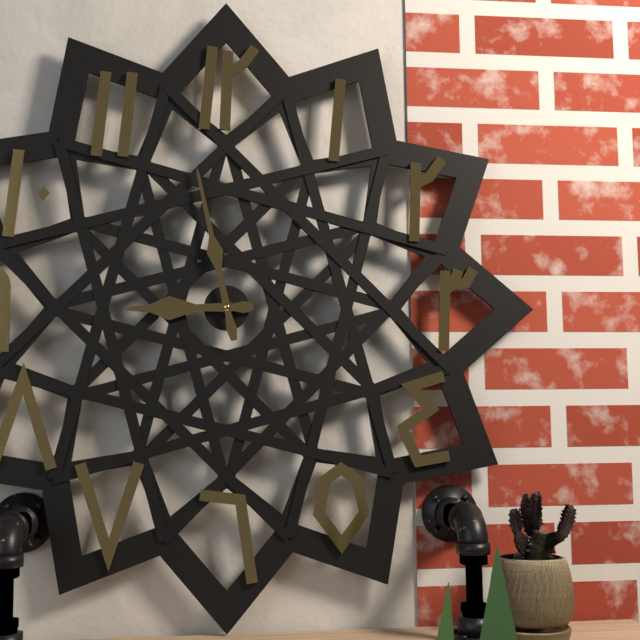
**8:58**
